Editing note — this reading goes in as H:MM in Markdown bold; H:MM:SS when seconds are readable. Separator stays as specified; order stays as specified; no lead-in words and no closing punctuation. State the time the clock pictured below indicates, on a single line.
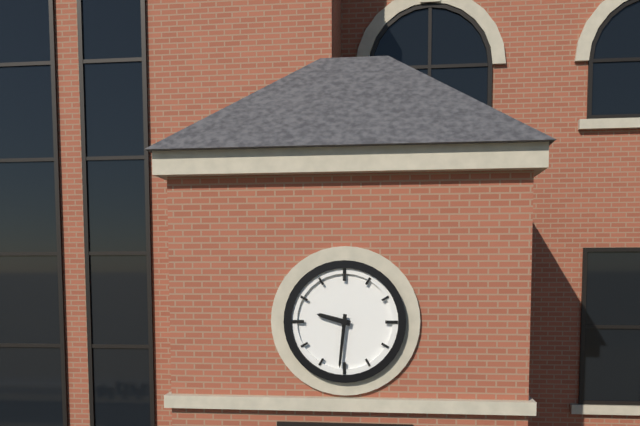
**9:31**
